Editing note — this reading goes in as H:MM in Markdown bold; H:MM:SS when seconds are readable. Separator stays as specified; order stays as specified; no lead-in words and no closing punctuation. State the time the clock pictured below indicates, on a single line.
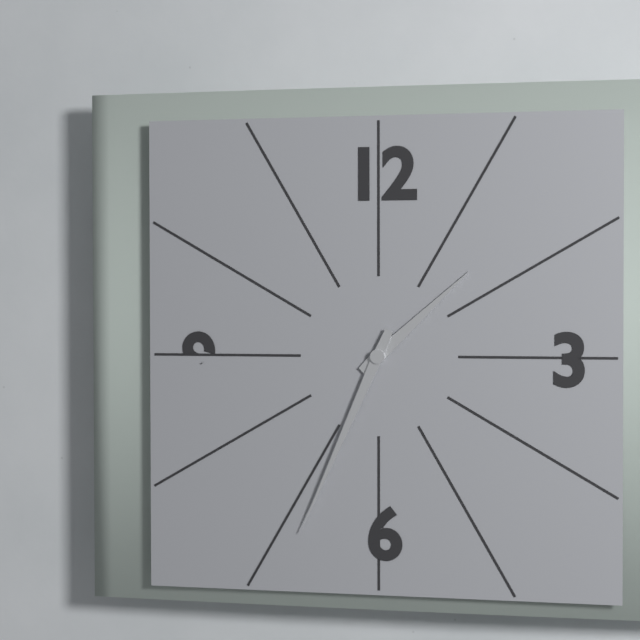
**1:34**
